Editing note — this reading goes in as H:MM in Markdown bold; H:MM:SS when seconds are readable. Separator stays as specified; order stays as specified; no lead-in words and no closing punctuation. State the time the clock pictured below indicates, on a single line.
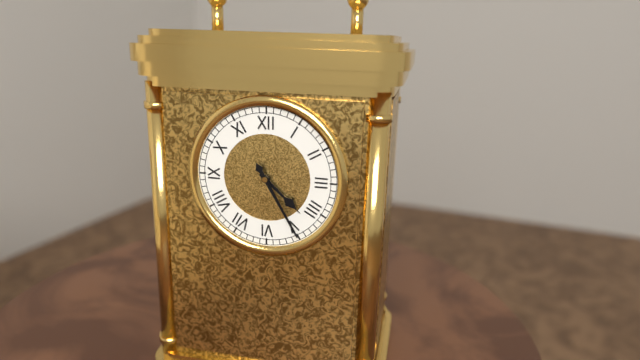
**4:25**
